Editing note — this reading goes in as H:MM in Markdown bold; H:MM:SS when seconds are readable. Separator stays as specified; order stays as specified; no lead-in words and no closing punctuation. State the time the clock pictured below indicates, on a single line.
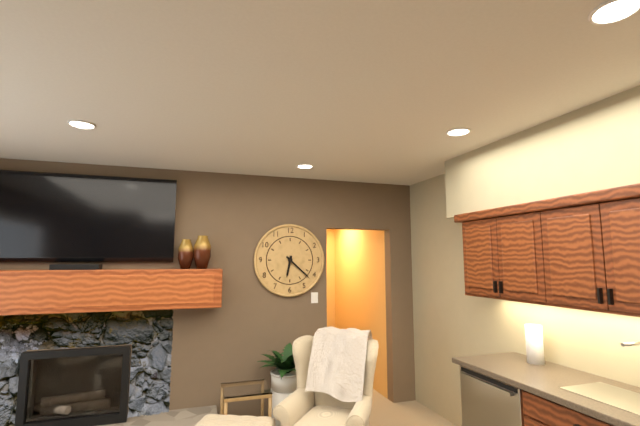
**6:22**
